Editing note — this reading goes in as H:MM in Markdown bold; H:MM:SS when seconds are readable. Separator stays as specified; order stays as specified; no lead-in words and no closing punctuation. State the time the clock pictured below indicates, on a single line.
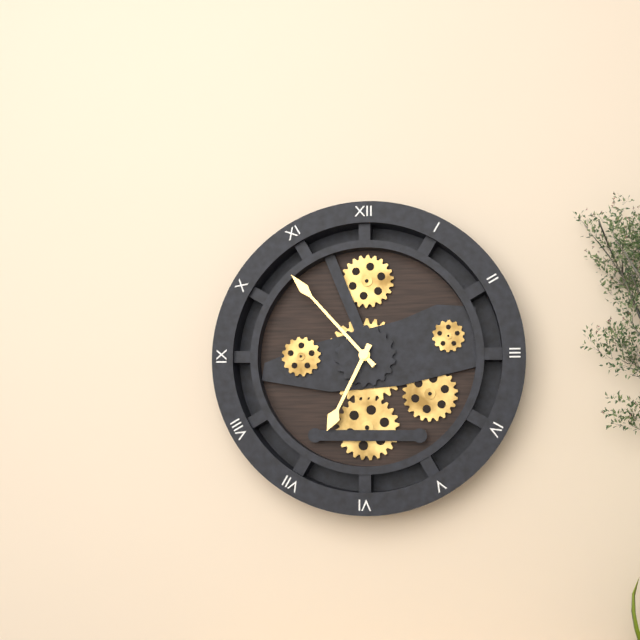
**6:53**
